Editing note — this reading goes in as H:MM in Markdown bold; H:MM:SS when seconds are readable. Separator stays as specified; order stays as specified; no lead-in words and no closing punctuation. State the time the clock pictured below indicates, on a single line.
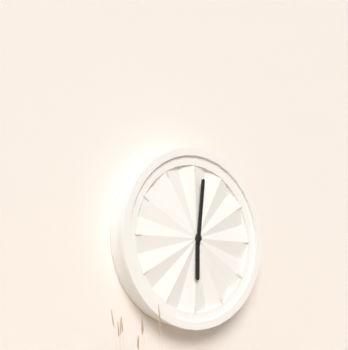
**6:01**
